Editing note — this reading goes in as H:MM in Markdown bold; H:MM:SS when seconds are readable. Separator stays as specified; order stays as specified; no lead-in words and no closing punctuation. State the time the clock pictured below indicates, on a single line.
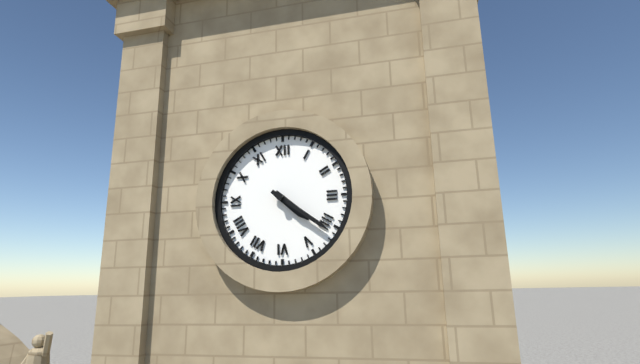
**4:21**
